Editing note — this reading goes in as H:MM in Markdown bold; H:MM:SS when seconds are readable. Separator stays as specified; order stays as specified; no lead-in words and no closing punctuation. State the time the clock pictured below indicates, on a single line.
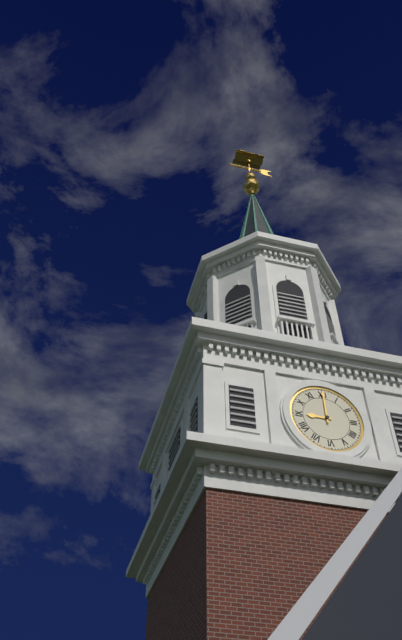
**9:00**
